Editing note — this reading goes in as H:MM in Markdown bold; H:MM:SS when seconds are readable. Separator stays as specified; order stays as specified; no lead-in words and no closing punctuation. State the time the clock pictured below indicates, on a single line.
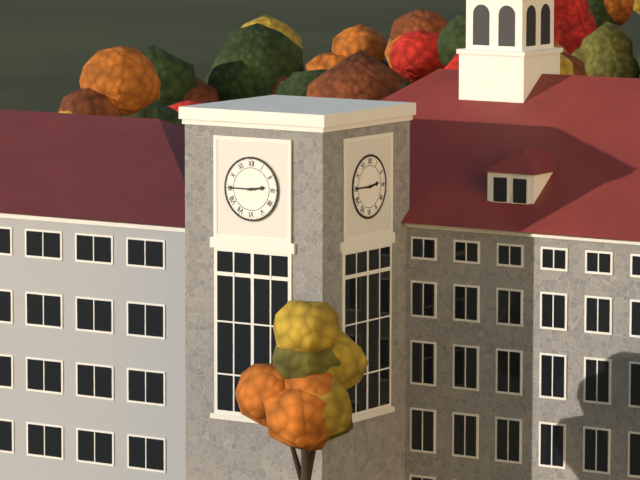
**2:45**
